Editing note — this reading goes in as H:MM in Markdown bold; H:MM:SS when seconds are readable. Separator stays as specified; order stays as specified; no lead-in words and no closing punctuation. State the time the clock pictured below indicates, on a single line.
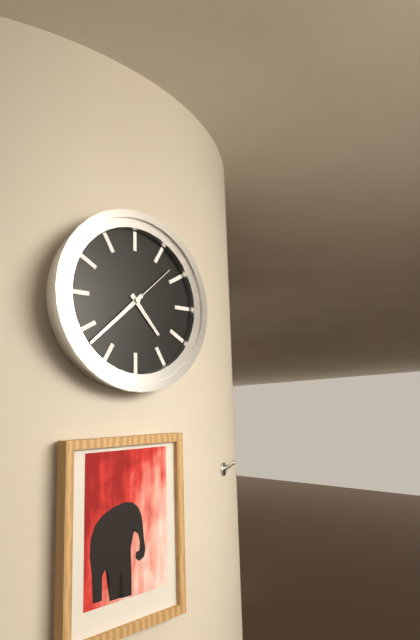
**4:38:08**
